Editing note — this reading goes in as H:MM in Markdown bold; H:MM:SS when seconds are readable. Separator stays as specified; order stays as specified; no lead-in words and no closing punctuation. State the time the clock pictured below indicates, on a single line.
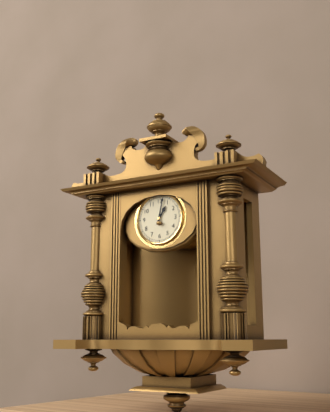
**1:02**
